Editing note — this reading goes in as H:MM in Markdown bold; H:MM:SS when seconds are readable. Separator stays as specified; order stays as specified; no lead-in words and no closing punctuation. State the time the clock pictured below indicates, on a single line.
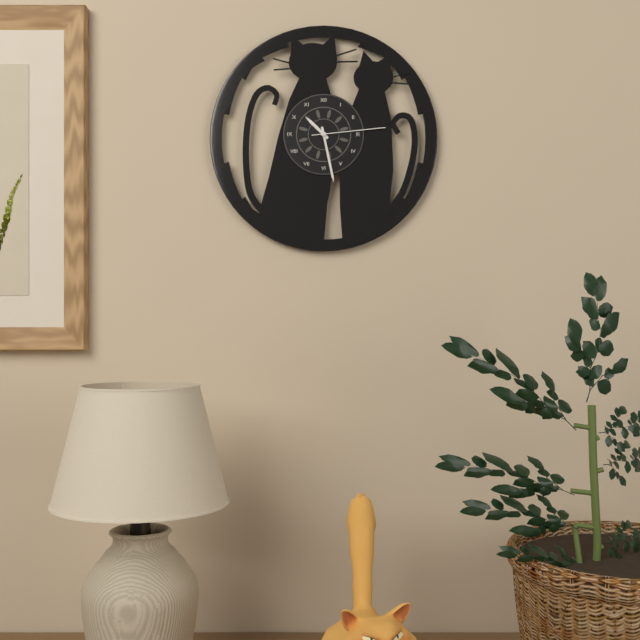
**10:28:14**
